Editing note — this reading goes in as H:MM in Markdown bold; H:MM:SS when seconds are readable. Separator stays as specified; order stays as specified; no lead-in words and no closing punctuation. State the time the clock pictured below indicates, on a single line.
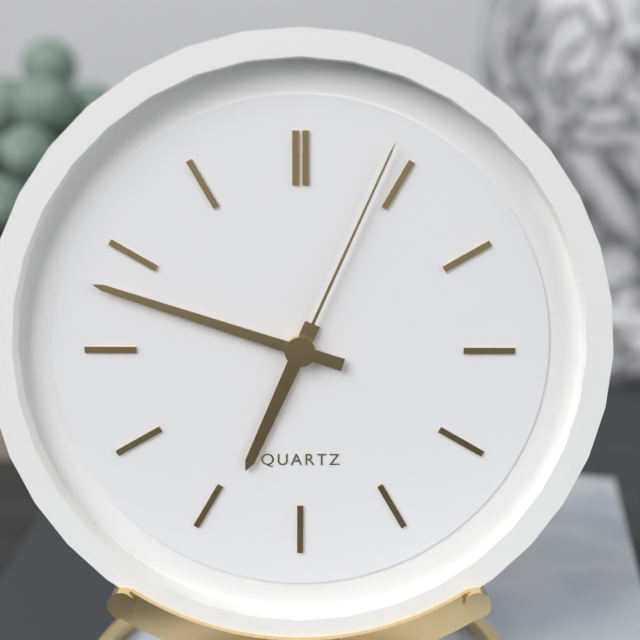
**6:48:04**
